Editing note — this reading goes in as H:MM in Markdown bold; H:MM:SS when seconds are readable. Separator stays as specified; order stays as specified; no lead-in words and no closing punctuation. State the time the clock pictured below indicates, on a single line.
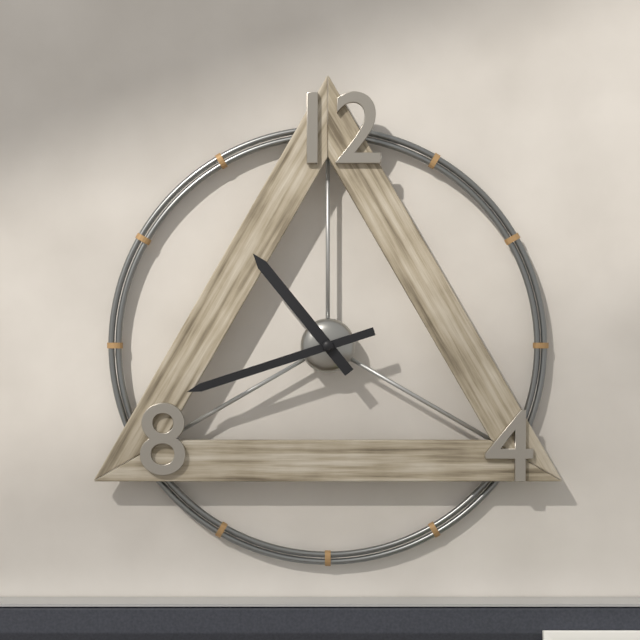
**10:42**
